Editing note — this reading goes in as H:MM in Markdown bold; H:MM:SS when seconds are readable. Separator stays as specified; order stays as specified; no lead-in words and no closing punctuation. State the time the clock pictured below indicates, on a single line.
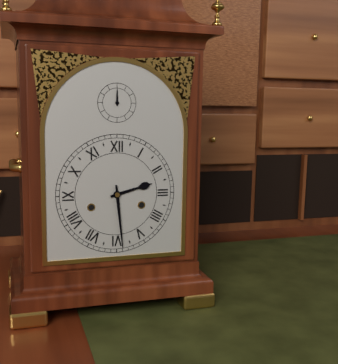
**2:29**
